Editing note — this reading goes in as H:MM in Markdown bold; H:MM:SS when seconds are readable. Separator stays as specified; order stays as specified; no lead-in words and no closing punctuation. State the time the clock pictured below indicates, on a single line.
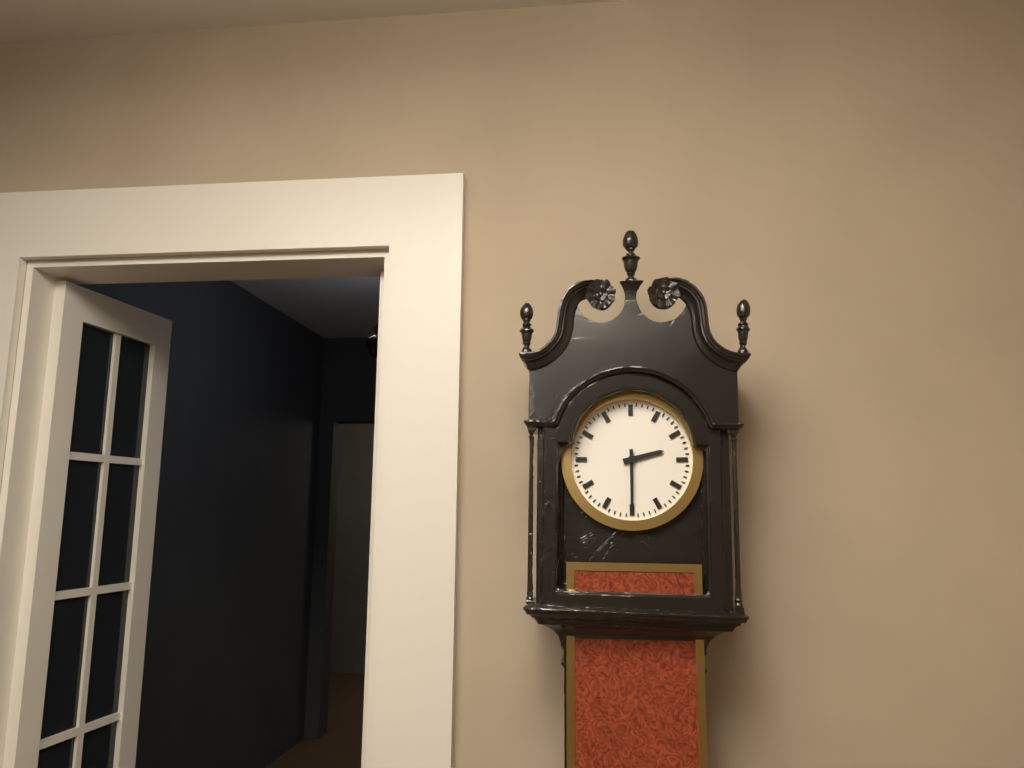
**2:30**
